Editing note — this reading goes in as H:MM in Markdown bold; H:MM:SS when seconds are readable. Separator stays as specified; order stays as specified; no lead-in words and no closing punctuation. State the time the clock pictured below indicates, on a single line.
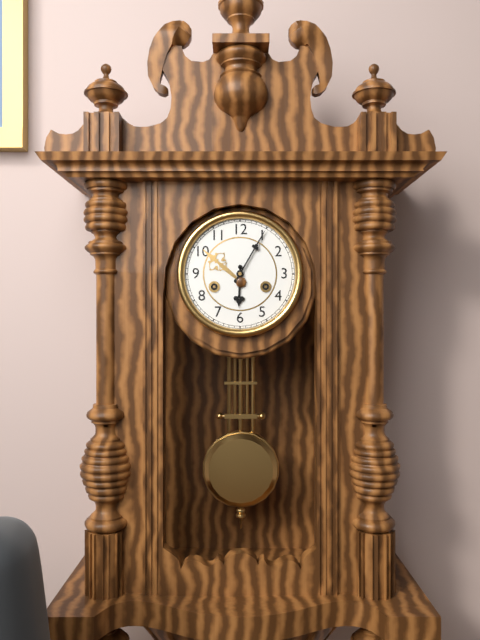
**6:05**
